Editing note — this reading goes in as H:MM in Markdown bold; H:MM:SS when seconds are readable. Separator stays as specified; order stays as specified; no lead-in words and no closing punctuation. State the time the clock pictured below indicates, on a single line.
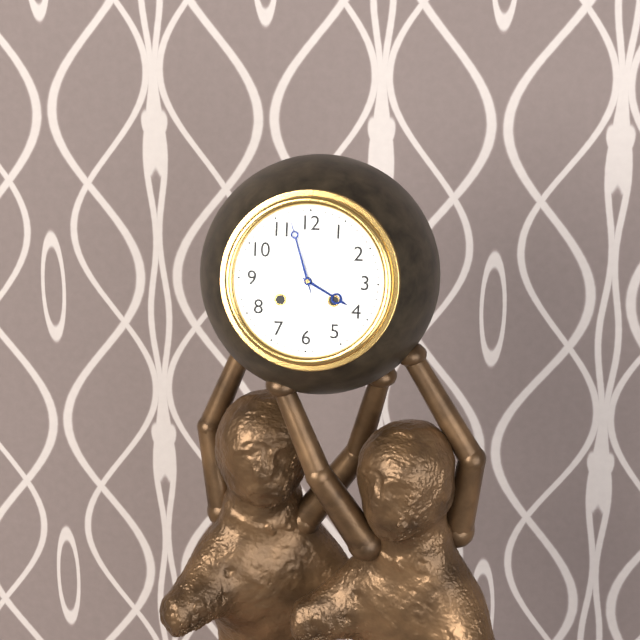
**3:57**
